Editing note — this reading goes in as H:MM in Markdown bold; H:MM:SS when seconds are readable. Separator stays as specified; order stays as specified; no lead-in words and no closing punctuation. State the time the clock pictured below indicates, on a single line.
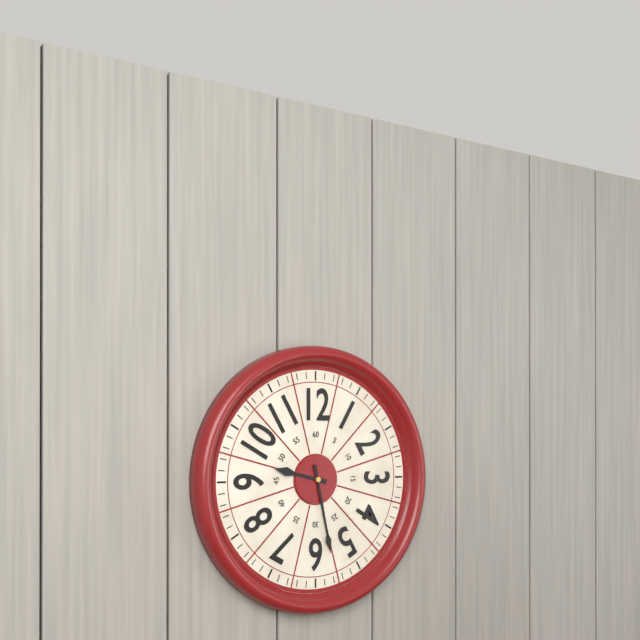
**9:28**
